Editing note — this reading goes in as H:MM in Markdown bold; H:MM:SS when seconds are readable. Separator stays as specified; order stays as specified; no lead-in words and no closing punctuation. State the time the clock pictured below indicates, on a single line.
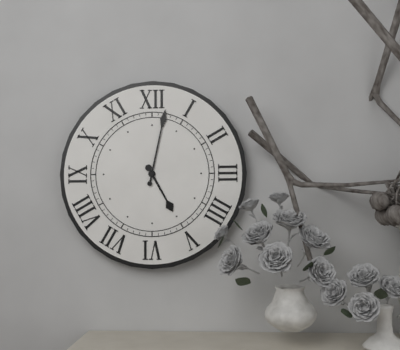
**5:02**
